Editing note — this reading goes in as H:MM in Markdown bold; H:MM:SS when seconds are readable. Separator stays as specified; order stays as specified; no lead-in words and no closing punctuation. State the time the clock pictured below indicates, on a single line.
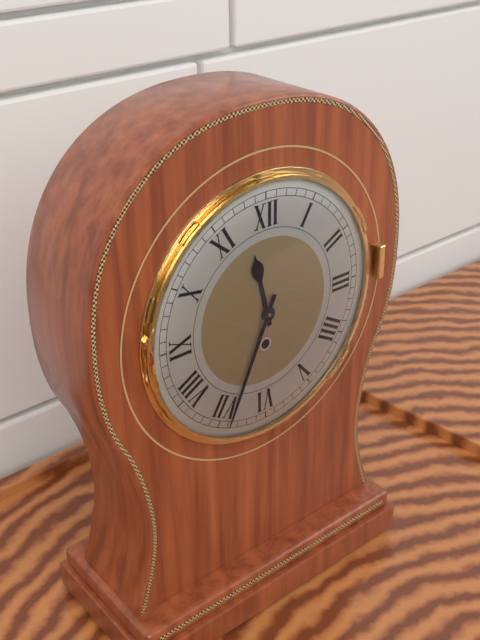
**11:34**
